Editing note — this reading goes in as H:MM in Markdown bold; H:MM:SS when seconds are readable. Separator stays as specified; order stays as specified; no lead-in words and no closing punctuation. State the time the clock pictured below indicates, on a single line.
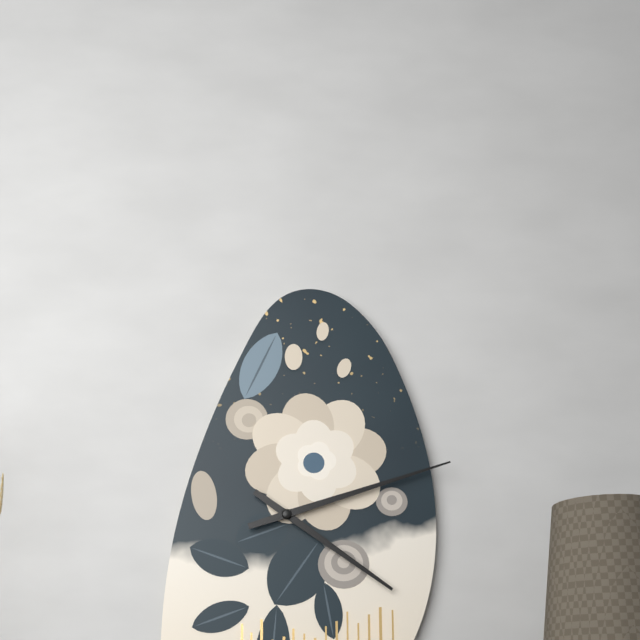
**4:12**
